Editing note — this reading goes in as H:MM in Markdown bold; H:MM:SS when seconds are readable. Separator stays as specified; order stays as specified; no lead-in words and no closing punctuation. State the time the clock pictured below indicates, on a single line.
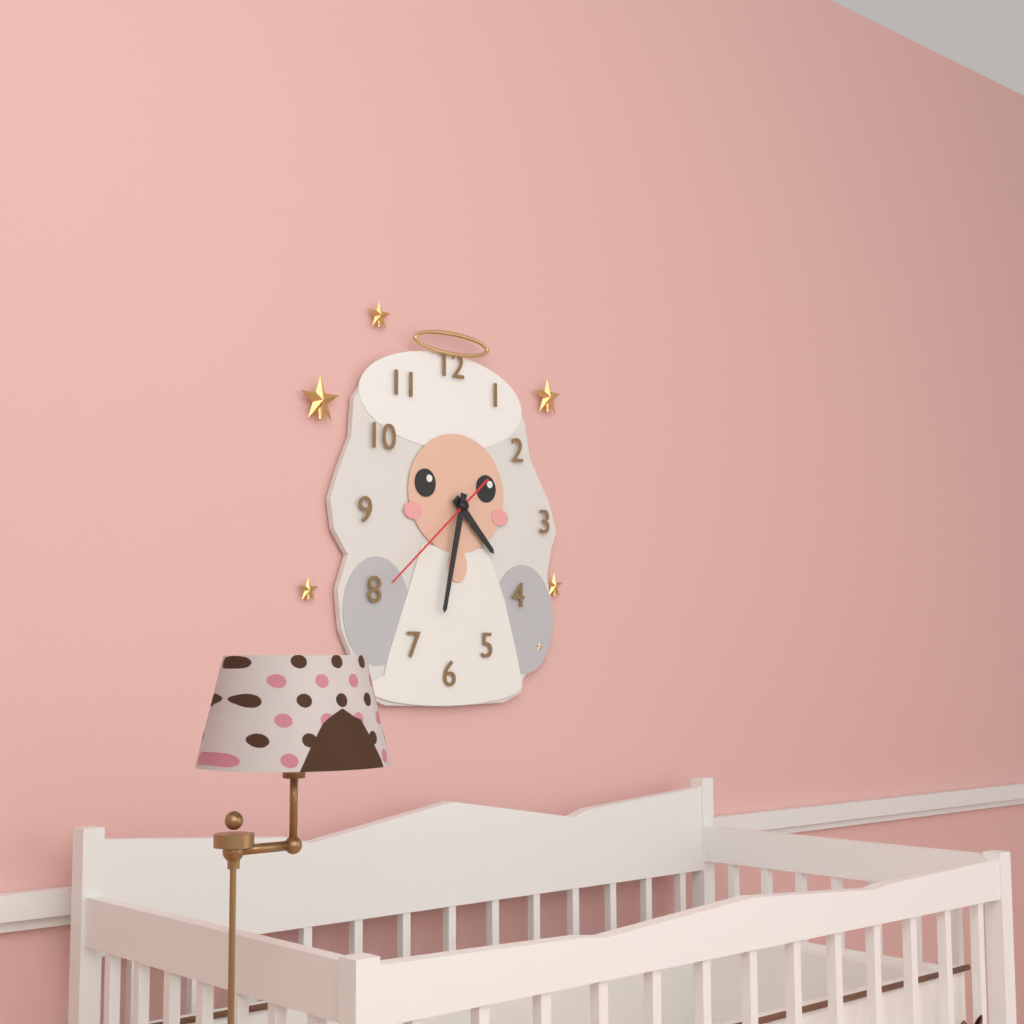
**4:32:38**
